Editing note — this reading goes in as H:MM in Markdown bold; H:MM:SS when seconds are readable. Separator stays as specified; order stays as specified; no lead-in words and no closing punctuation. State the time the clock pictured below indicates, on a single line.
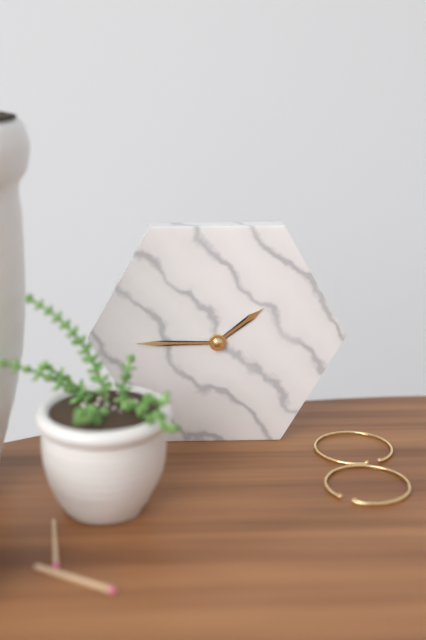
**1:45**
